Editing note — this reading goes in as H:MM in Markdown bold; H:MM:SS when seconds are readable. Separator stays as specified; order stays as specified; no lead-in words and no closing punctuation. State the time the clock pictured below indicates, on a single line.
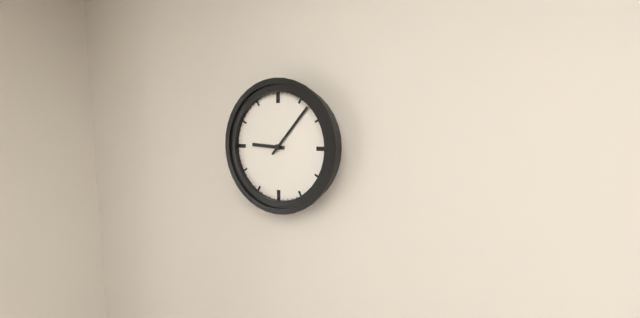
**9:07**
